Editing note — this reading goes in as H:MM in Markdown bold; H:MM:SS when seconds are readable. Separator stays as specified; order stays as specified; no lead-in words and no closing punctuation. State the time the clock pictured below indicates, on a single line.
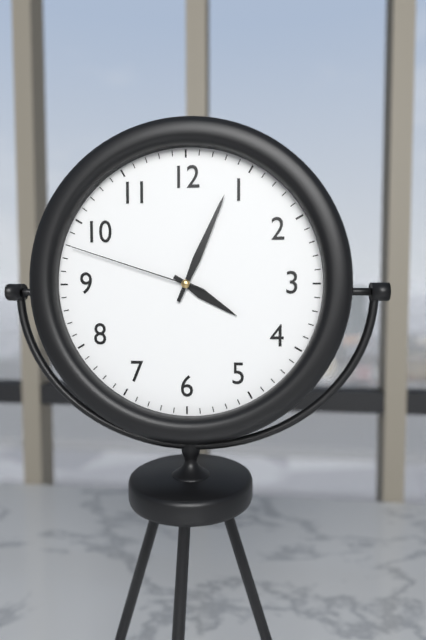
**4:04:48**
